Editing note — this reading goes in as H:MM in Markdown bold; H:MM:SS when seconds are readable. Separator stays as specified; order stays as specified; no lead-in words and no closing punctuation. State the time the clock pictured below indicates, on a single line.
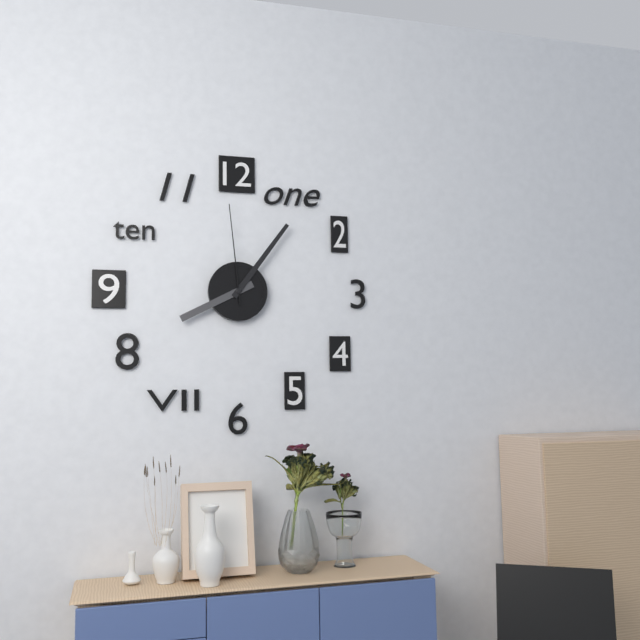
**8:06:59**
